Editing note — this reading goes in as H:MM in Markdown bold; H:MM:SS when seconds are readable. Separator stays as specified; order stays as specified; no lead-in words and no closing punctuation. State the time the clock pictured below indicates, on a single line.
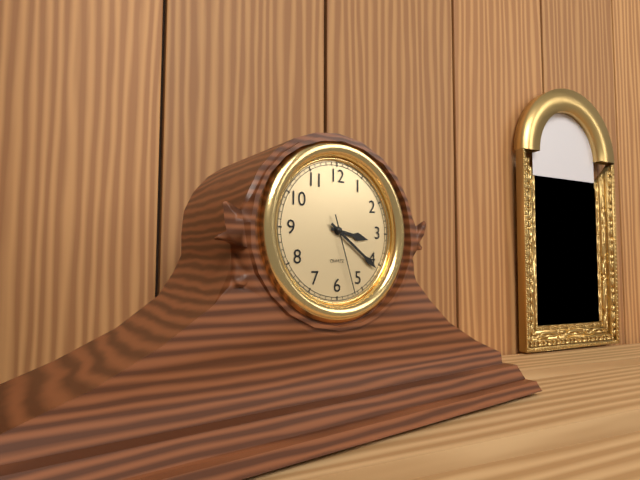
**3:21:27**
